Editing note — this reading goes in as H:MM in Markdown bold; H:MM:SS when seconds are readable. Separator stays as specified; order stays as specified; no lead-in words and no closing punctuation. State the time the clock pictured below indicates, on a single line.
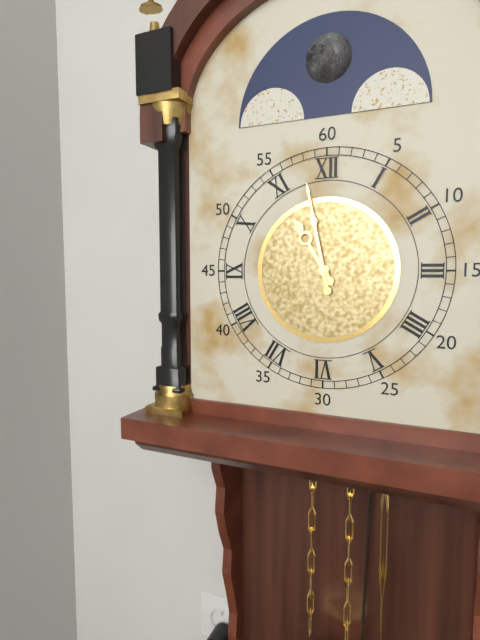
**10:58**
